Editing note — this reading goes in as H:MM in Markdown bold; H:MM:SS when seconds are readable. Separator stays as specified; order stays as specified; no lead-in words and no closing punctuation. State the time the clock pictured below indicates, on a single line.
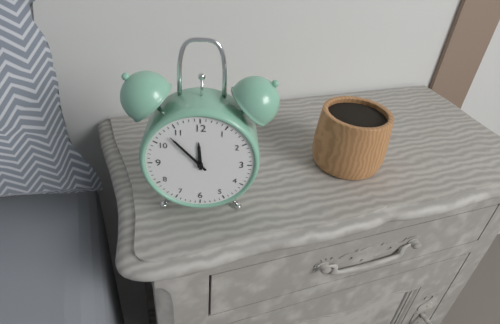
**11:53**
